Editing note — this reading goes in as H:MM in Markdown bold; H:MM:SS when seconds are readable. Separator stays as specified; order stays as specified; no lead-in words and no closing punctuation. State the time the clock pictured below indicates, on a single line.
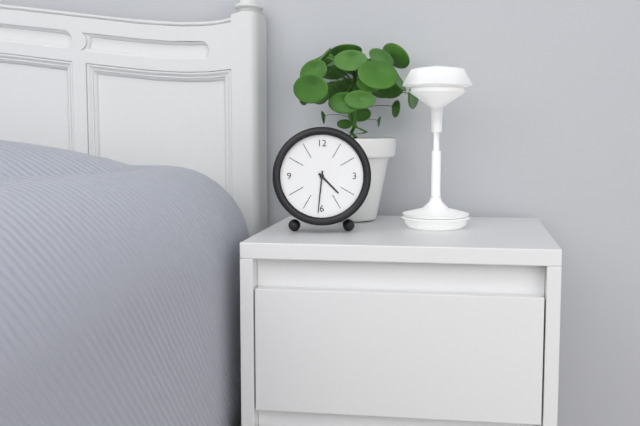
**4:31**
